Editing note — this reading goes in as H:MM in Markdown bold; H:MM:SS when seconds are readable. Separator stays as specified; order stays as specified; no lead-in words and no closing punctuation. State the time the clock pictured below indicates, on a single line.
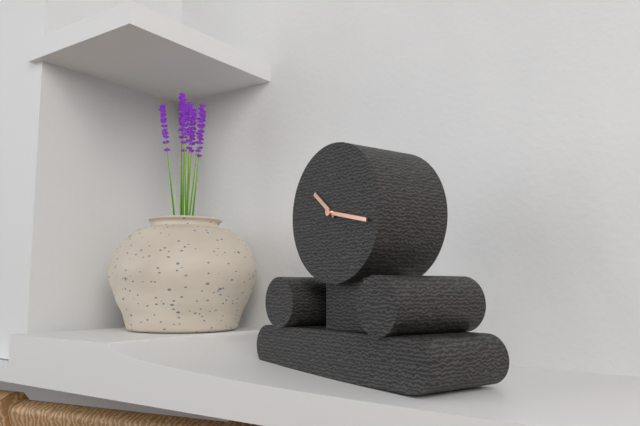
**10:17**
